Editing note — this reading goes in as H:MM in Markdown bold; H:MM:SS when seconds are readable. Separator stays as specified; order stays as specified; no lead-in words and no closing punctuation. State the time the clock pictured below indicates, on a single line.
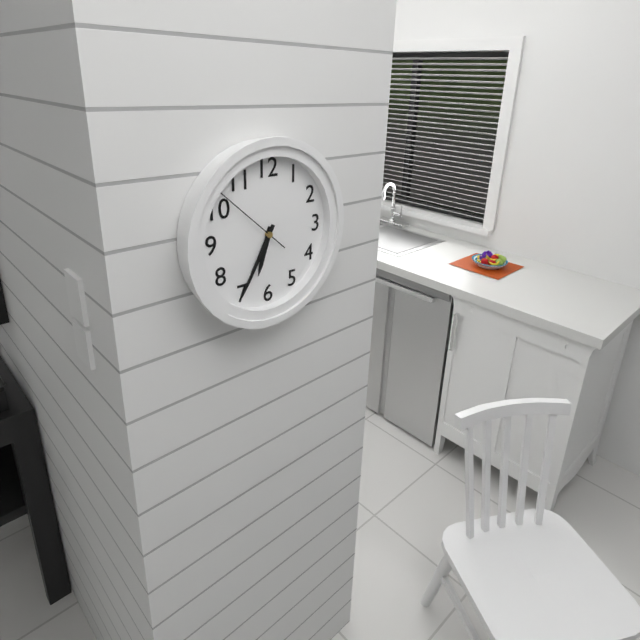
**6:35:52**
